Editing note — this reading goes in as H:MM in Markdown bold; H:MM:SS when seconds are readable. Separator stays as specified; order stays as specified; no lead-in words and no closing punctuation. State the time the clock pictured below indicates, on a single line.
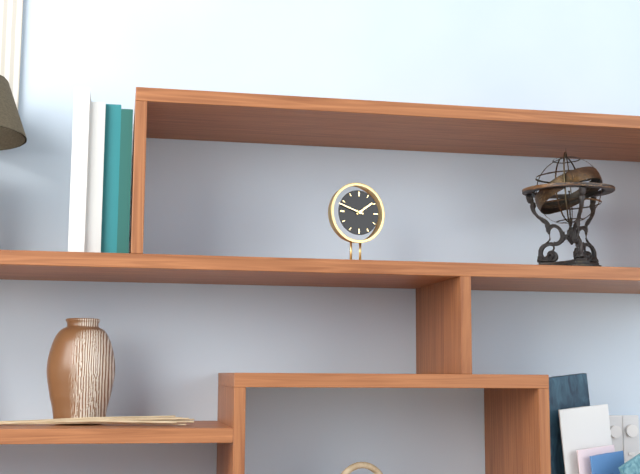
**1:48**
